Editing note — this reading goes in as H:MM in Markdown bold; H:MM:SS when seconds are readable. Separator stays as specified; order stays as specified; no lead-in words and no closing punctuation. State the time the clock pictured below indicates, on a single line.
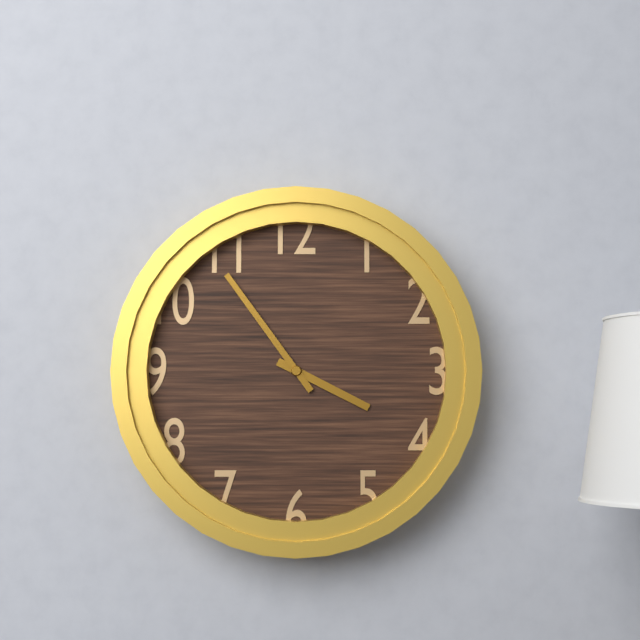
**3:54**
